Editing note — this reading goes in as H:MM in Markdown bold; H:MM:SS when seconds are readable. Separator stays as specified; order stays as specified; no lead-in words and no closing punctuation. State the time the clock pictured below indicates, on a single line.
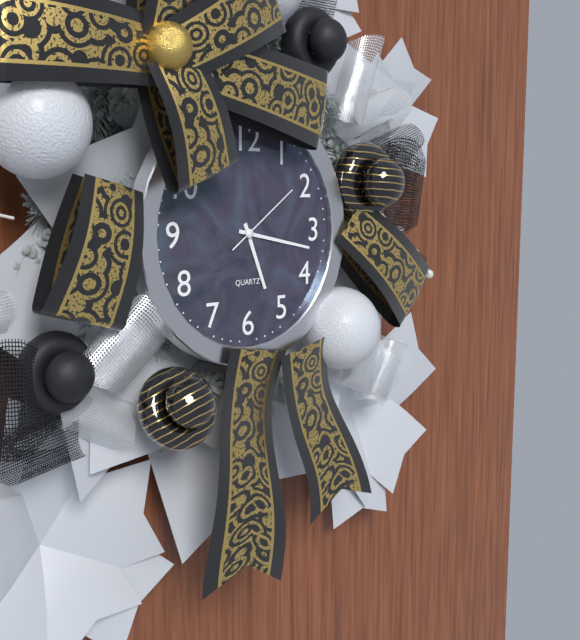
**5:17:09**
